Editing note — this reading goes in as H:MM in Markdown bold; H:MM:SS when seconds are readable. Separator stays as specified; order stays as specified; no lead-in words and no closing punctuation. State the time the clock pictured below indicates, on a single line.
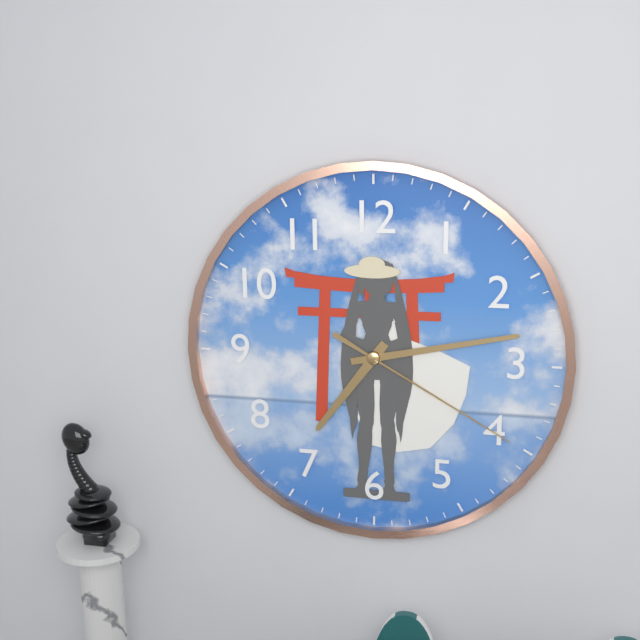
**7:13:20**
